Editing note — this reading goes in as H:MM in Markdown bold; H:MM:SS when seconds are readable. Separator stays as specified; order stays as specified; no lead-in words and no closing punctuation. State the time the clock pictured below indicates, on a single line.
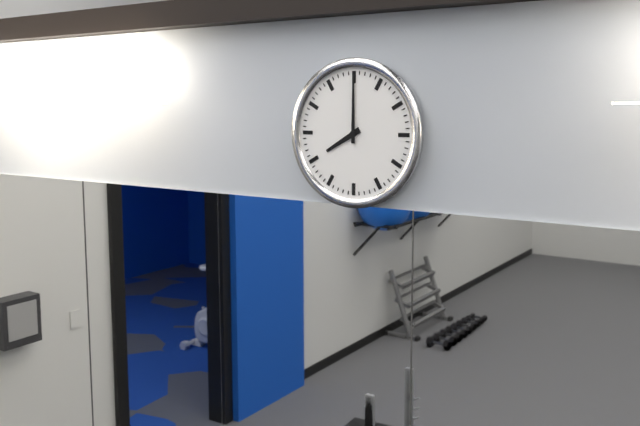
**8:00**
